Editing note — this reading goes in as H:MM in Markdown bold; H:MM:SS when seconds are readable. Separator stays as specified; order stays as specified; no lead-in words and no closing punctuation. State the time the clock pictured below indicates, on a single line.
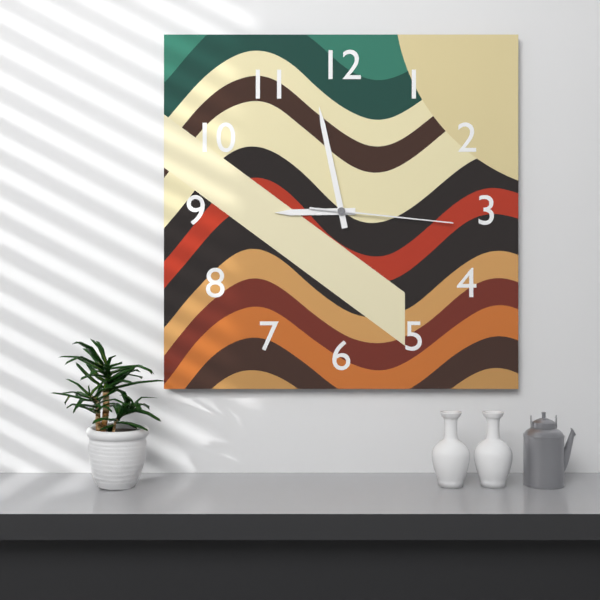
**8:58:16**
